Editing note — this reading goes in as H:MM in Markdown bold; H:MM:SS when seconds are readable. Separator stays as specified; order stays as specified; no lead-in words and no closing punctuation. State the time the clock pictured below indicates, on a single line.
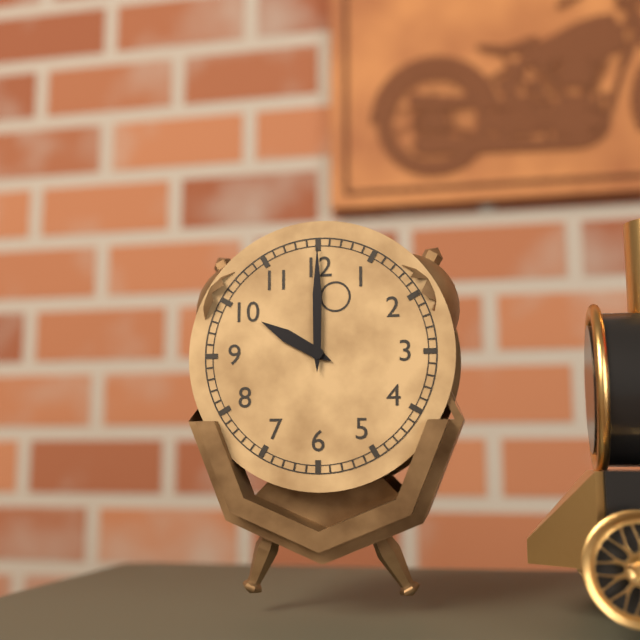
**10:00**
